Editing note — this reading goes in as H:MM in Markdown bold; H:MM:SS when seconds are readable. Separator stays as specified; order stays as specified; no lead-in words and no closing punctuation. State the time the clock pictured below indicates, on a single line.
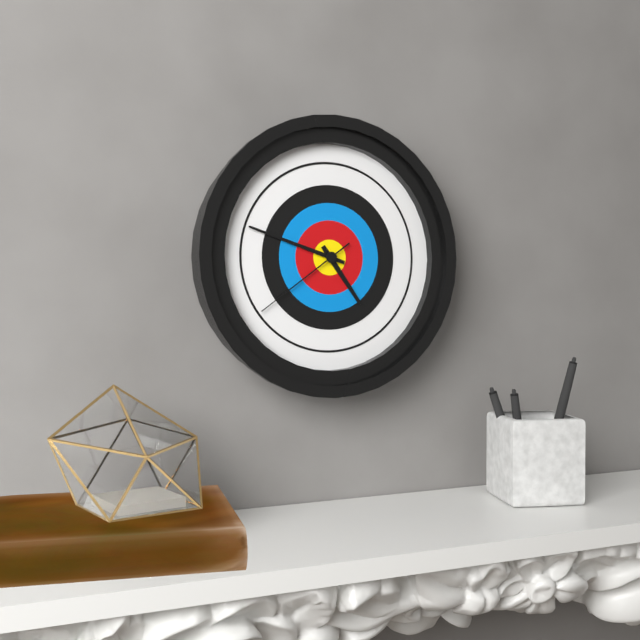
**4:48:39**
